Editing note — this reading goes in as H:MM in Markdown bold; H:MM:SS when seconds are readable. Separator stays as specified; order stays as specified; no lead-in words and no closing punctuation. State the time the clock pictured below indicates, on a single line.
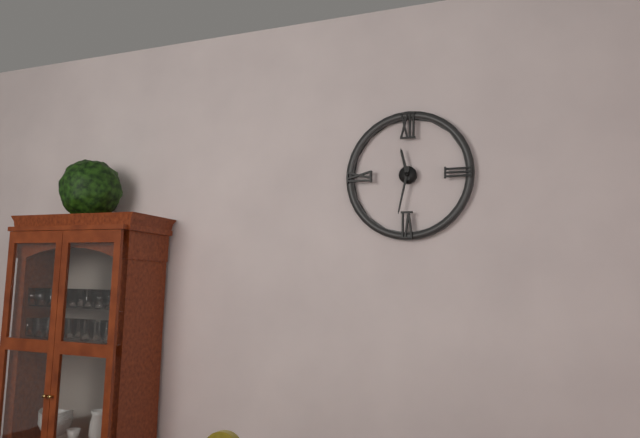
**11:32**
